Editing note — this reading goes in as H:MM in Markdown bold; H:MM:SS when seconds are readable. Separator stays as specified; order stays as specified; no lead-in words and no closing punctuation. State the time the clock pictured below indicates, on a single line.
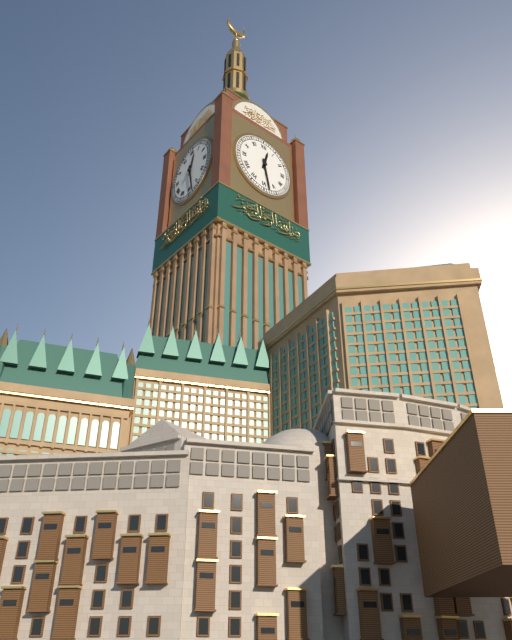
**12:28**
